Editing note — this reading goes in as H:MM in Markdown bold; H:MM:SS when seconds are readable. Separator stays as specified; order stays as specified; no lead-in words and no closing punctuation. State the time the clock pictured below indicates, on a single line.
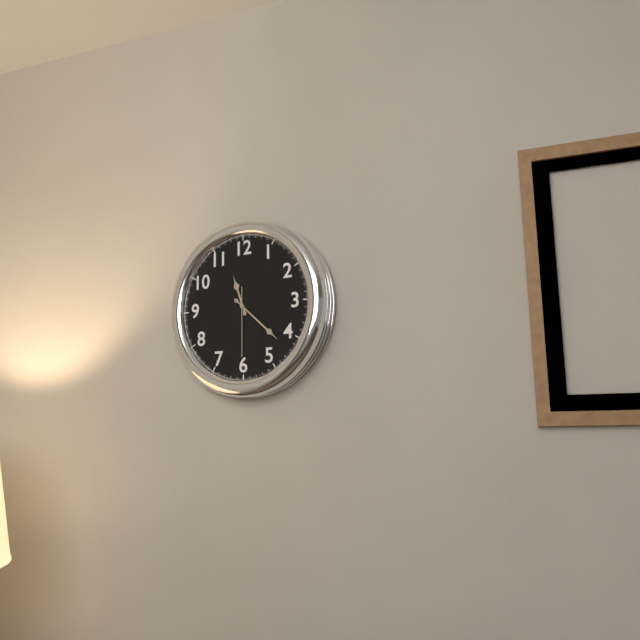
**11:22:30**
